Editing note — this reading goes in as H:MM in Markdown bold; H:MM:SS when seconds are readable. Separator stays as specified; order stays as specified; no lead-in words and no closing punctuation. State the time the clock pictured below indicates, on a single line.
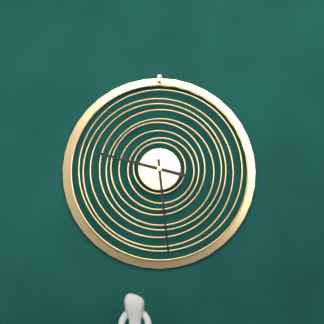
**9:29**
